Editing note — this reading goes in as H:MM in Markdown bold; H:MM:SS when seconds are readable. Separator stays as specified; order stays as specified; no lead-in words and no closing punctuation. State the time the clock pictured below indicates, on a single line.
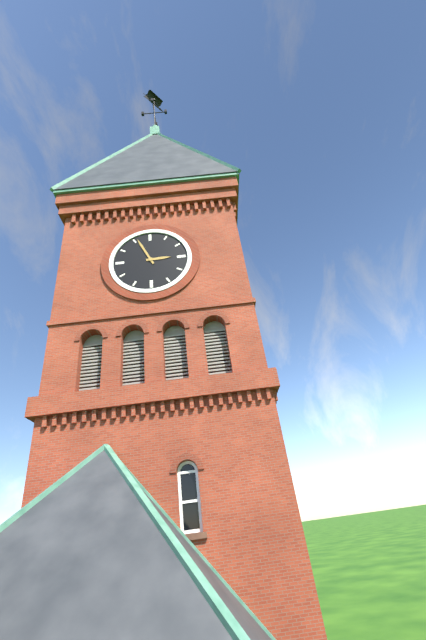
**2:56**
